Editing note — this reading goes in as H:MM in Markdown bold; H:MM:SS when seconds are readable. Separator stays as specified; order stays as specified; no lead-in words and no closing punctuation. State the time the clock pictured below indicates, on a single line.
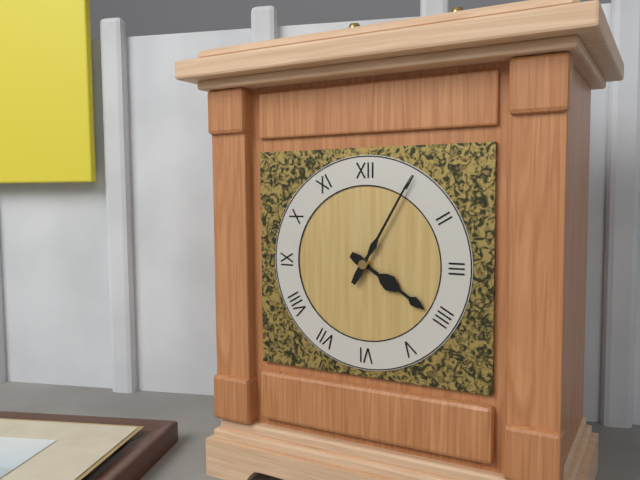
**4:05**
